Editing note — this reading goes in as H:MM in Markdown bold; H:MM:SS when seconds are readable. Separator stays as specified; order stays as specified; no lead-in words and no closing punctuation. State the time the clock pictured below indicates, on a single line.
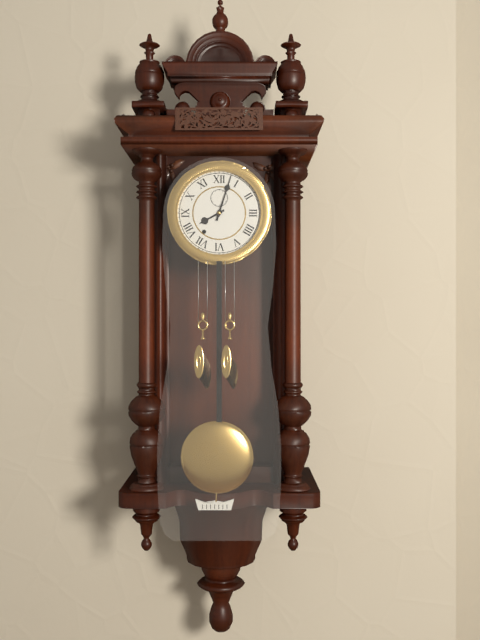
**8:03**
